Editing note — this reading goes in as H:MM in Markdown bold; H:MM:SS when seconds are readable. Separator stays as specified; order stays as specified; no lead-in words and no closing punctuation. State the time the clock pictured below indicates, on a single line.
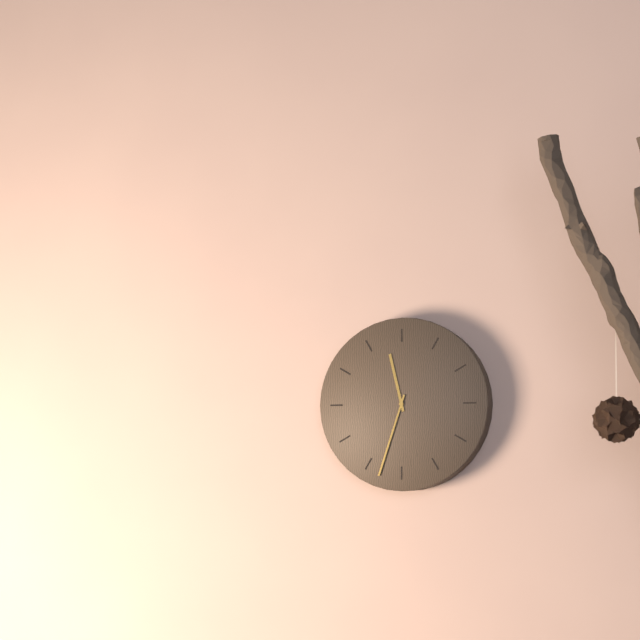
**11:33**
